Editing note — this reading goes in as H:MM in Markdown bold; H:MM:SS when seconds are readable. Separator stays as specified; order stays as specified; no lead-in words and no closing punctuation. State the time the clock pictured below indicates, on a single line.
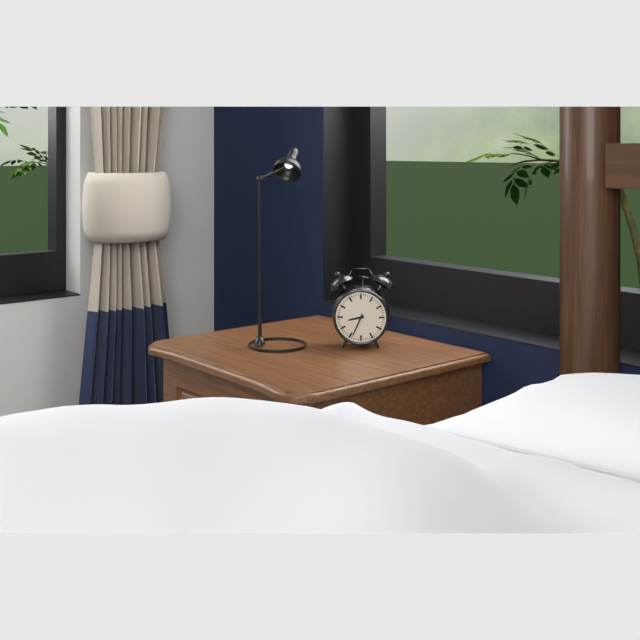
**8:34**
